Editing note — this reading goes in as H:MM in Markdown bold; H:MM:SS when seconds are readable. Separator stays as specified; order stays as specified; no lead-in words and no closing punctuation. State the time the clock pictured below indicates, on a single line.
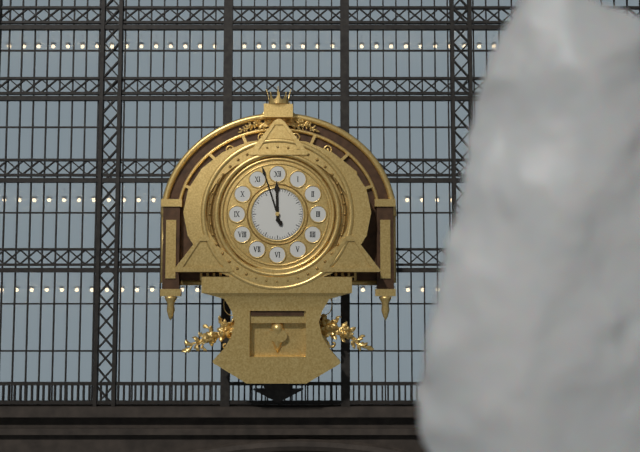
**11:57**
